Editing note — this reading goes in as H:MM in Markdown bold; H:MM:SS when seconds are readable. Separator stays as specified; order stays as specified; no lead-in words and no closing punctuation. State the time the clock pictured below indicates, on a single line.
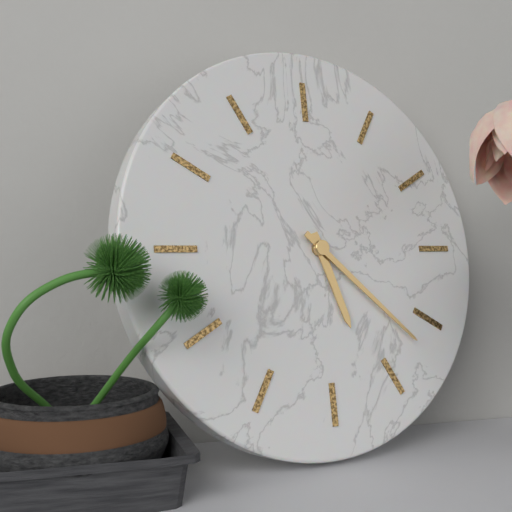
**5:22**
